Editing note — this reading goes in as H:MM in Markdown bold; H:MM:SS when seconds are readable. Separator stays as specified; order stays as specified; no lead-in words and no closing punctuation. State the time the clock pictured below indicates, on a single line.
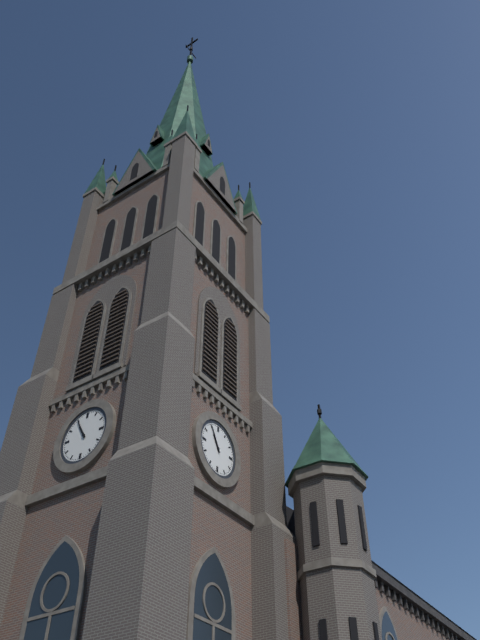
**10:55**
